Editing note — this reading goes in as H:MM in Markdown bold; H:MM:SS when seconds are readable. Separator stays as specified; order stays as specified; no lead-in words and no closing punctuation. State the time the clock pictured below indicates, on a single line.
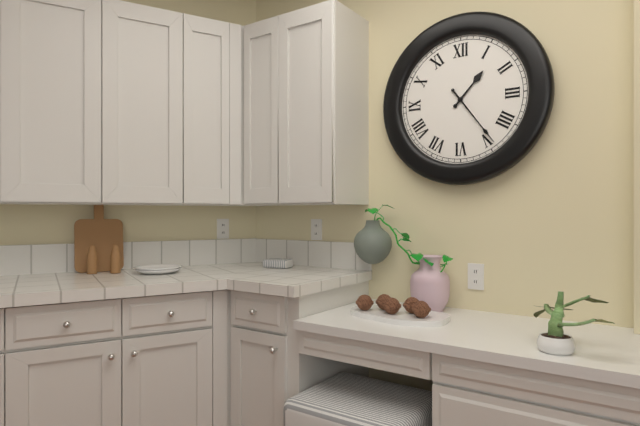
**1:24**
